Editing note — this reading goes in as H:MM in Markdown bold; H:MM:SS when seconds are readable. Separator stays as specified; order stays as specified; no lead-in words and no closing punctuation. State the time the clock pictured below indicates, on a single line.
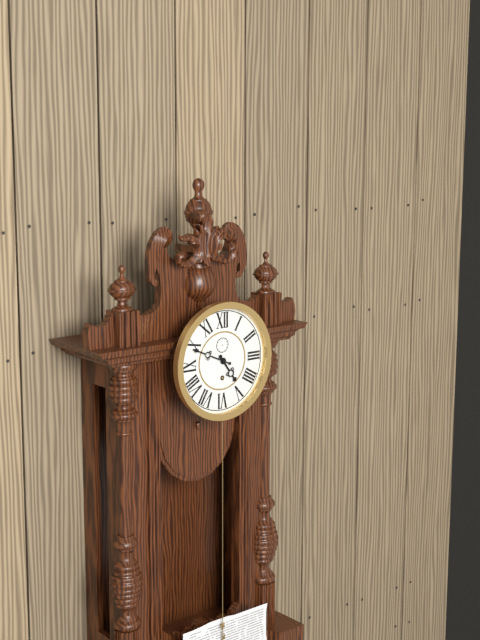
**4:49**
